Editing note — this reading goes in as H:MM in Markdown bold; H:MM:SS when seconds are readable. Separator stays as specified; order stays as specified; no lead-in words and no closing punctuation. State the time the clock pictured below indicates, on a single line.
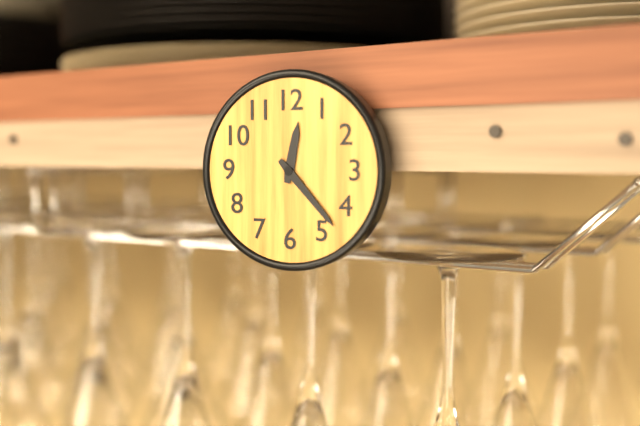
**12:23**
